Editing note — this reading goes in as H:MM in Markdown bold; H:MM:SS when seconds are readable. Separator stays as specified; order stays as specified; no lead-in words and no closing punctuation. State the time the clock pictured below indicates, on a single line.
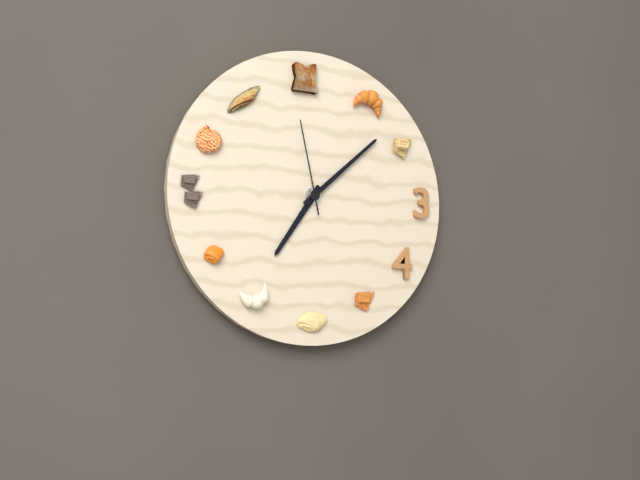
**7:08:58**
